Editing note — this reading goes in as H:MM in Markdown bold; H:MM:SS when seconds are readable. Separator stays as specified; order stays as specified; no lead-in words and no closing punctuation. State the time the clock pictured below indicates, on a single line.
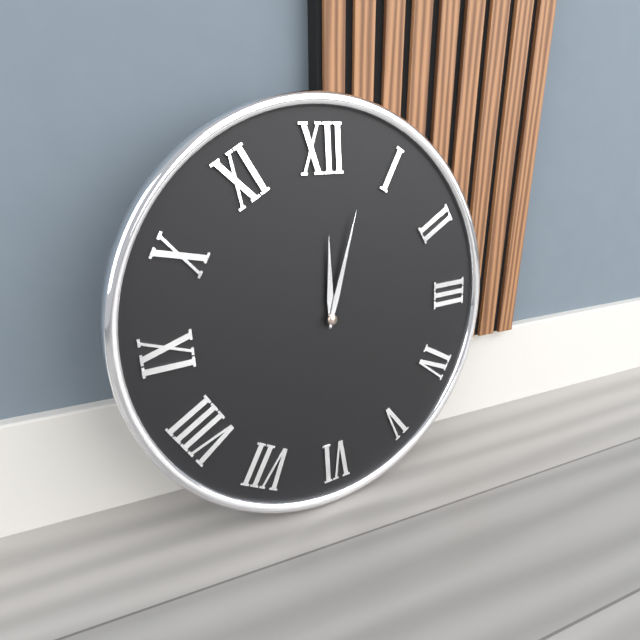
**12:03**
